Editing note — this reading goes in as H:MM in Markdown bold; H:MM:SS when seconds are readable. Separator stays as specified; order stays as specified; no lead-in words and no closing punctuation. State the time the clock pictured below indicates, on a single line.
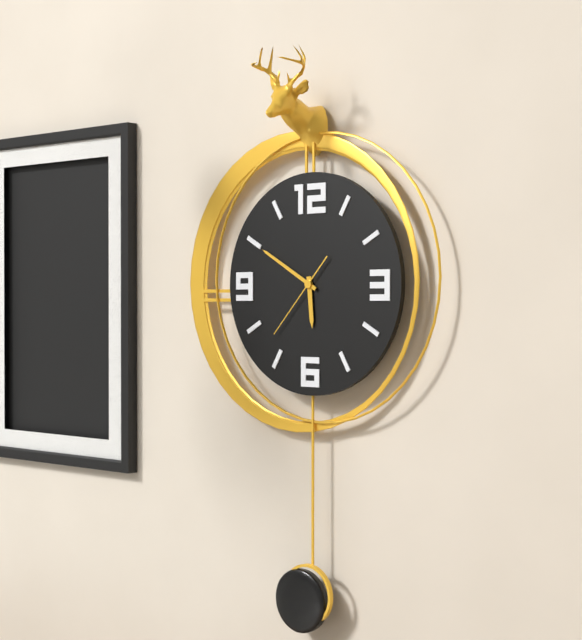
**5:50:37**
